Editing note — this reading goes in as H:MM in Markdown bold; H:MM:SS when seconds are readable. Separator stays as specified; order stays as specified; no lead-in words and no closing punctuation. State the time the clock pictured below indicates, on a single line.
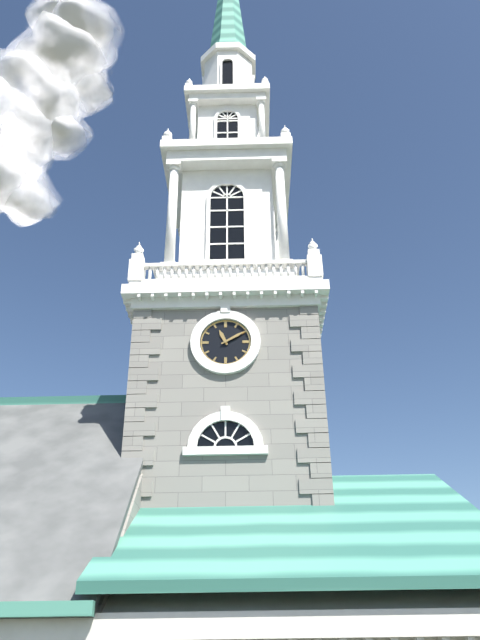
**11:10**
